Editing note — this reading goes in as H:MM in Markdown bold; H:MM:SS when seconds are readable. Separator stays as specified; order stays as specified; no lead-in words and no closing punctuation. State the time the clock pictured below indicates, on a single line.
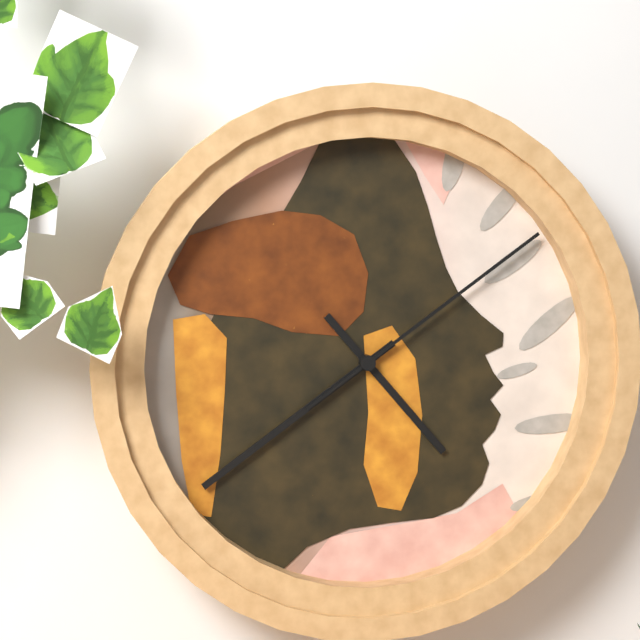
**4:39:09**
